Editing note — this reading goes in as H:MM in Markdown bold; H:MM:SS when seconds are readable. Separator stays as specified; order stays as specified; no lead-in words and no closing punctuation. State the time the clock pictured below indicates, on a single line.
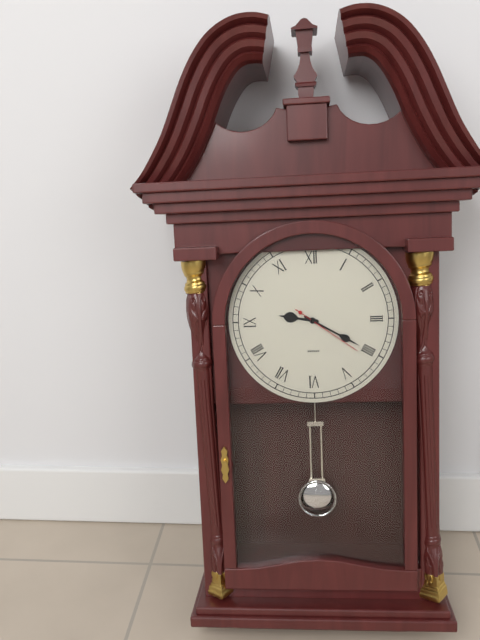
**9:20:21**
